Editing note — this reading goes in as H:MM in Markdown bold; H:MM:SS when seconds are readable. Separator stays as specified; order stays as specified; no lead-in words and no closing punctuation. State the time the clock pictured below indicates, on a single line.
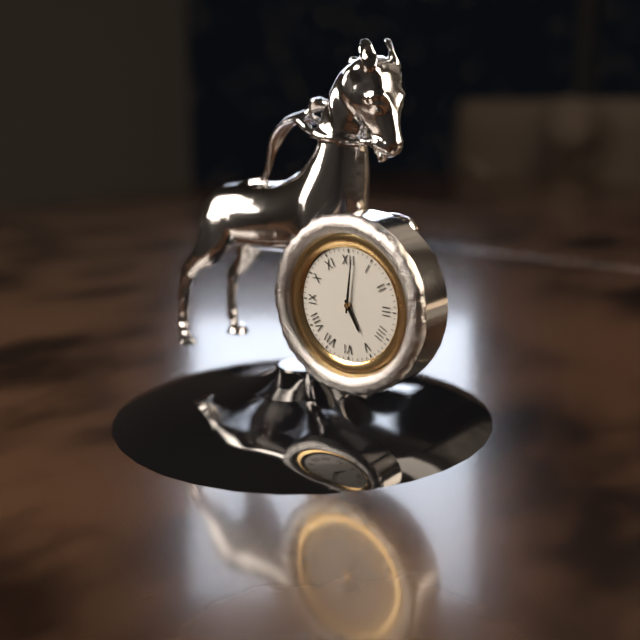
**5:01**
